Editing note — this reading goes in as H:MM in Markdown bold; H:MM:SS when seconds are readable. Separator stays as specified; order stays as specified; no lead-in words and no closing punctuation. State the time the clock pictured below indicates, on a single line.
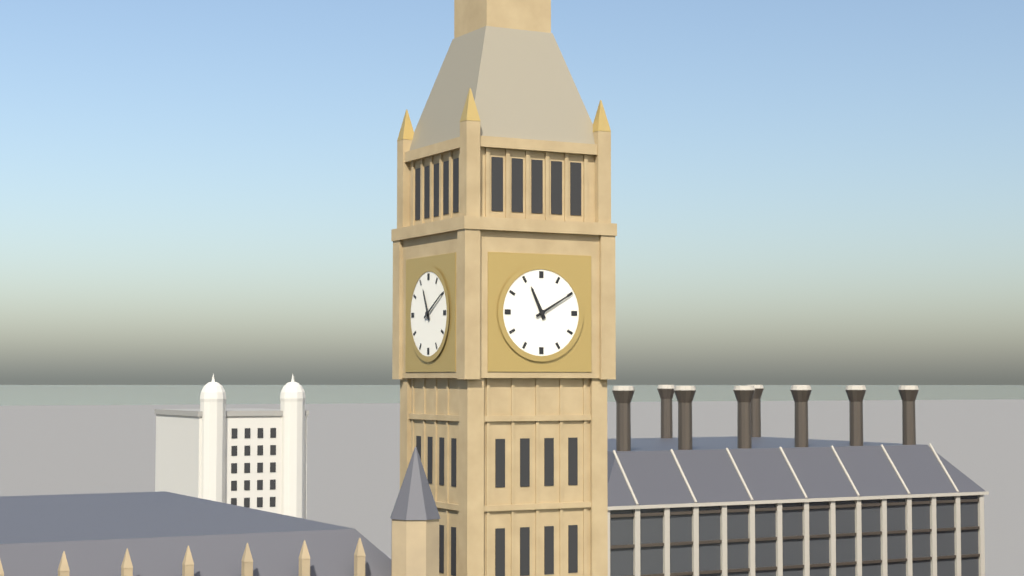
**11:10**
